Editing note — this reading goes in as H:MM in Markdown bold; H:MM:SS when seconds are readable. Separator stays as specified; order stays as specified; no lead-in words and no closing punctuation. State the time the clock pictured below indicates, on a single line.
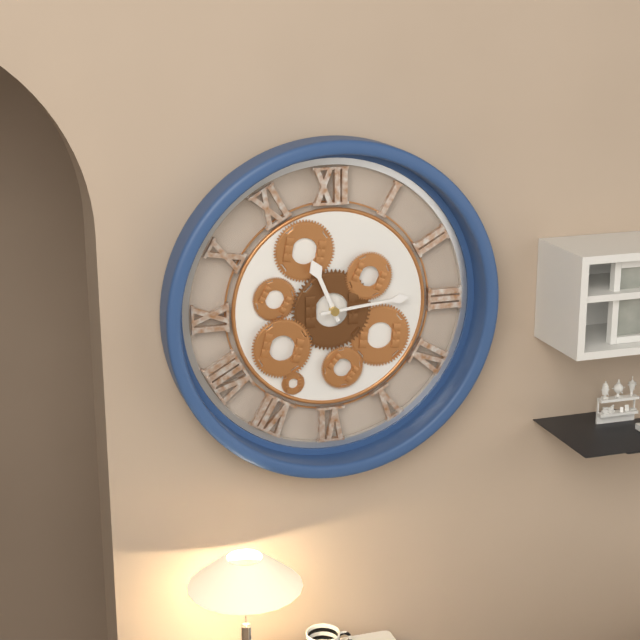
**11:14**
